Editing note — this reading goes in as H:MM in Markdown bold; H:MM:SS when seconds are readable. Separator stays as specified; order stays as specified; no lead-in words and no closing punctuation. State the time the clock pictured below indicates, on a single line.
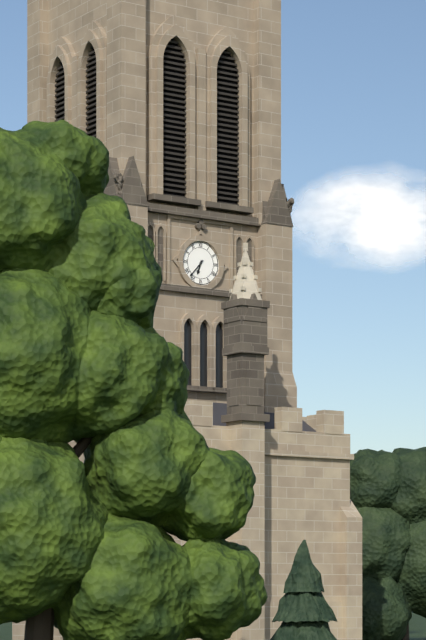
**6:37**
